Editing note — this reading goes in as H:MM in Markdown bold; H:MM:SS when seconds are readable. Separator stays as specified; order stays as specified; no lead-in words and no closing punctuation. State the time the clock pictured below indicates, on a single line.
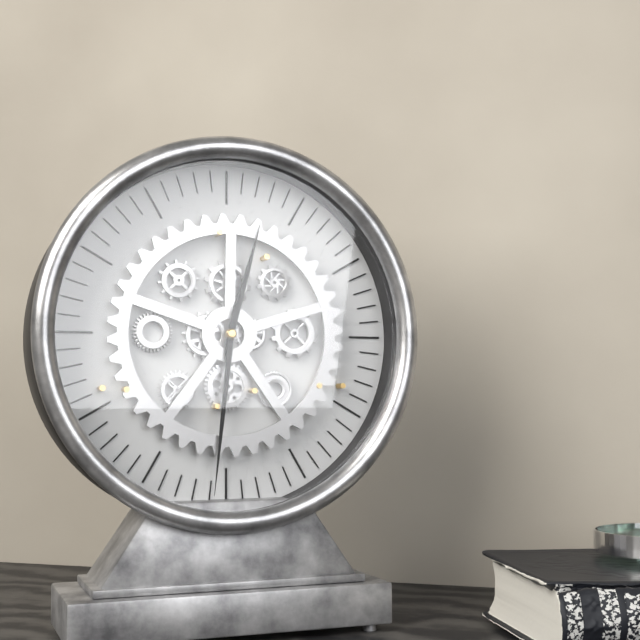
**12:31**
